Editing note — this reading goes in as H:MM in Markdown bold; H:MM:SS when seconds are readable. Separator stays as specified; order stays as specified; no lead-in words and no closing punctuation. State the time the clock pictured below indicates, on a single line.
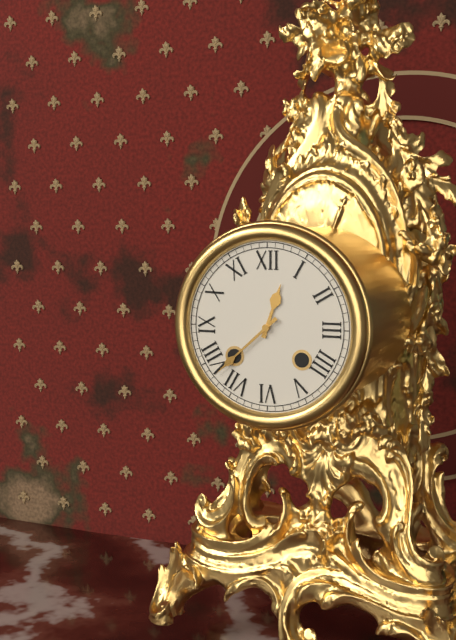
**12:38**
